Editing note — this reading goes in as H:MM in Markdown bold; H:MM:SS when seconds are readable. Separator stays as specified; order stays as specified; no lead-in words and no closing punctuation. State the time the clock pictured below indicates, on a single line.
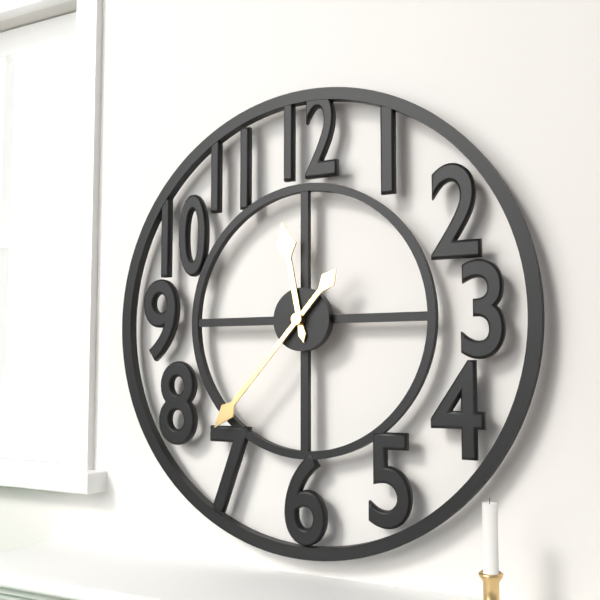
**11:37**
